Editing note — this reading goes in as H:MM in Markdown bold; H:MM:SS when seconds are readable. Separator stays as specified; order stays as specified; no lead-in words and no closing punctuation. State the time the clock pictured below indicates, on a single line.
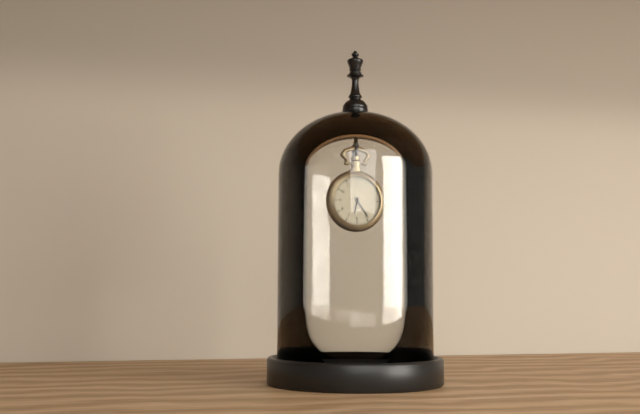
**6:24**
